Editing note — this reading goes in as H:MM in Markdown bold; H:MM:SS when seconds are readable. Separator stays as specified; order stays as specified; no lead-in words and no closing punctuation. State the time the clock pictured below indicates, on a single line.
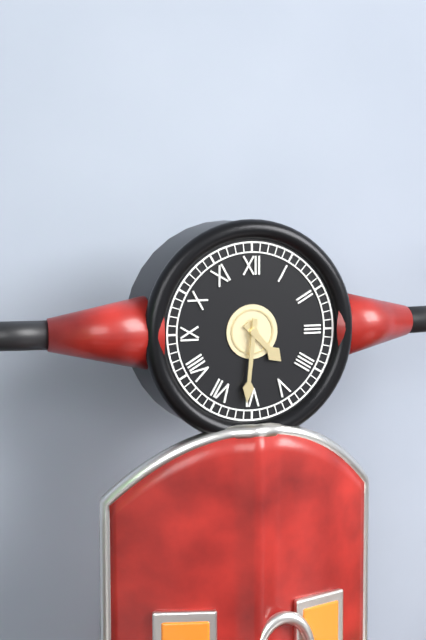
**4:31**
